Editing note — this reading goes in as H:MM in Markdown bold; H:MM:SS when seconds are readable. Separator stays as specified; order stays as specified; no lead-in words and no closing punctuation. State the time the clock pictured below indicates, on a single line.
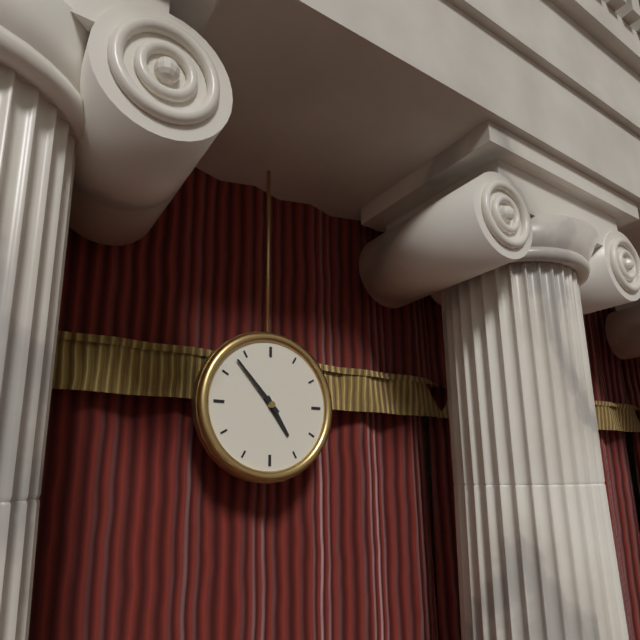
**4:53**
